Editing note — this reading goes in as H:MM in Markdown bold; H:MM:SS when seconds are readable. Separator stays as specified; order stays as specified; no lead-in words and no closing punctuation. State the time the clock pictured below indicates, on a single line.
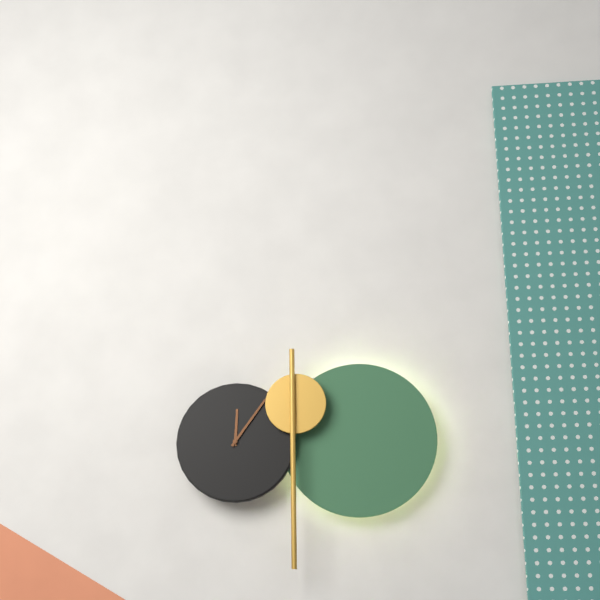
**12:06**
